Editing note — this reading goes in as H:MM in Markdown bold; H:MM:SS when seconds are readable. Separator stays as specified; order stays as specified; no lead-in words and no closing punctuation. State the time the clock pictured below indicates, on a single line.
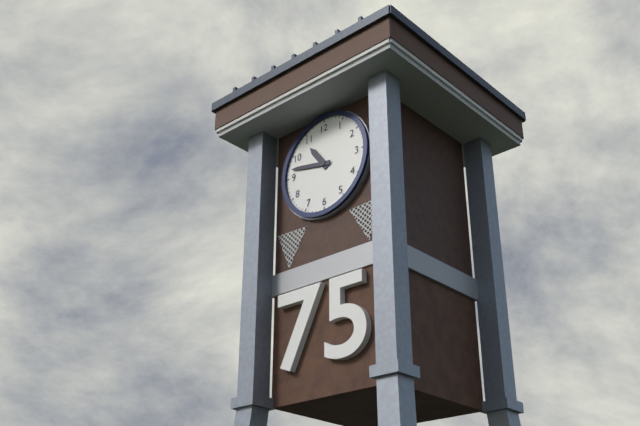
**10:47**
